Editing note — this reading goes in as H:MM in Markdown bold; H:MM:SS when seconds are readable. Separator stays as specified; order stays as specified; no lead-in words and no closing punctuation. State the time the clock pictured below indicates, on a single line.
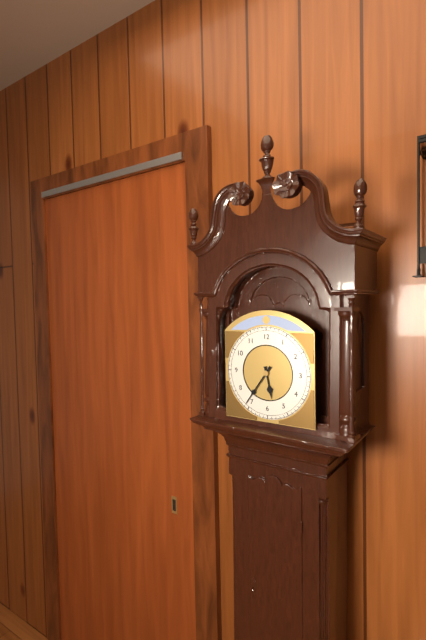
**5:36**
